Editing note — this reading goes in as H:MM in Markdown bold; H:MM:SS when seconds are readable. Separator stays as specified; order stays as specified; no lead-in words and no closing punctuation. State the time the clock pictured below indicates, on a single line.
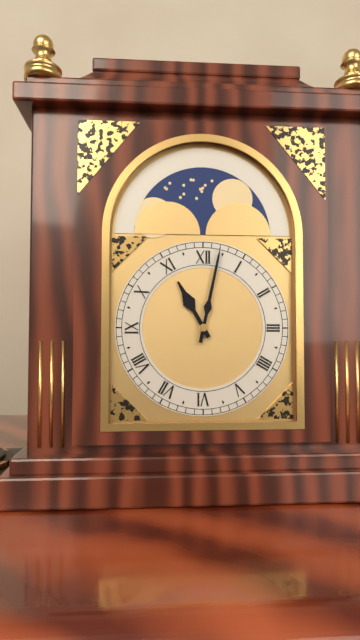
**11:02**
